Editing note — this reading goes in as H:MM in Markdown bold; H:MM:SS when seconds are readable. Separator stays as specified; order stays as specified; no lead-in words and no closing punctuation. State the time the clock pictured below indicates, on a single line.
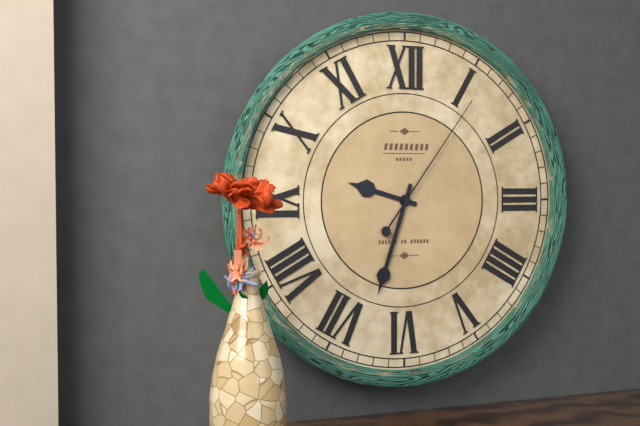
**9:33:06**
